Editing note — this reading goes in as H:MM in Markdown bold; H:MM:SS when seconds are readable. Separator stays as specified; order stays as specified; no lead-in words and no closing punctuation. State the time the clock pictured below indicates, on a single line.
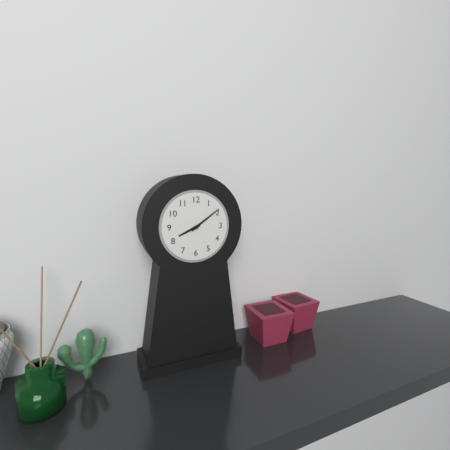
**8:09**
